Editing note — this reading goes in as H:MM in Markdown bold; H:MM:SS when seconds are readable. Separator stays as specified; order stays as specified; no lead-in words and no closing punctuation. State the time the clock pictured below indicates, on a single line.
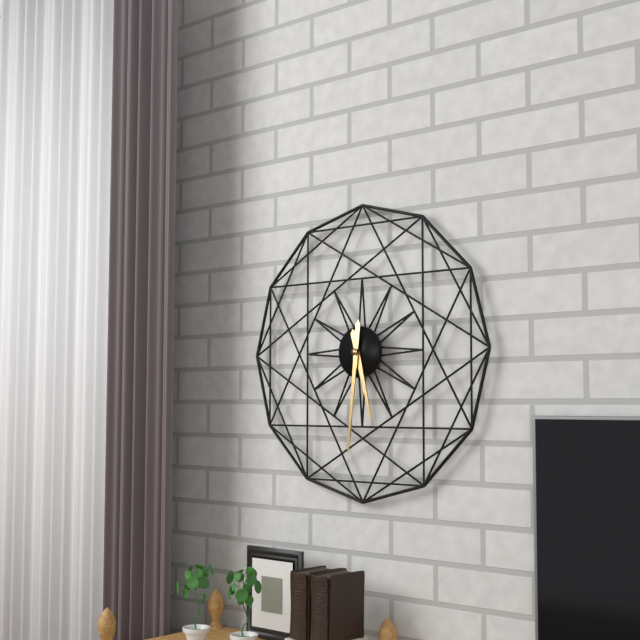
**5:31**
